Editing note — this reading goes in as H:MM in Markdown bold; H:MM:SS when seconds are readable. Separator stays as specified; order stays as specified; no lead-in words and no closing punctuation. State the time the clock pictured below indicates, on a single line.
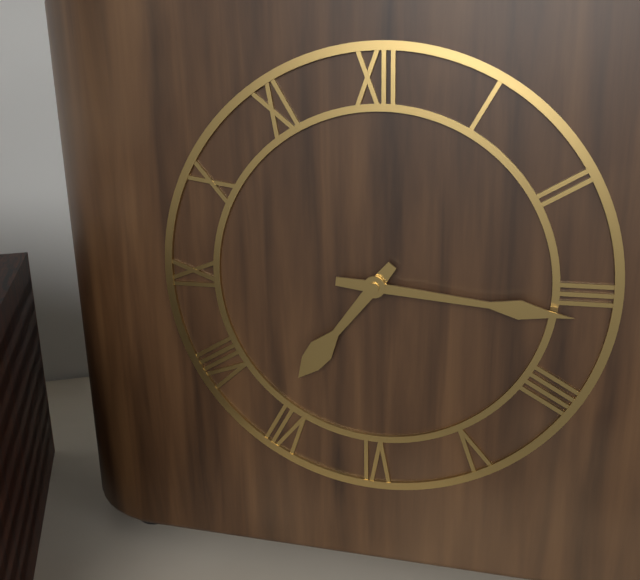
**7:16**
